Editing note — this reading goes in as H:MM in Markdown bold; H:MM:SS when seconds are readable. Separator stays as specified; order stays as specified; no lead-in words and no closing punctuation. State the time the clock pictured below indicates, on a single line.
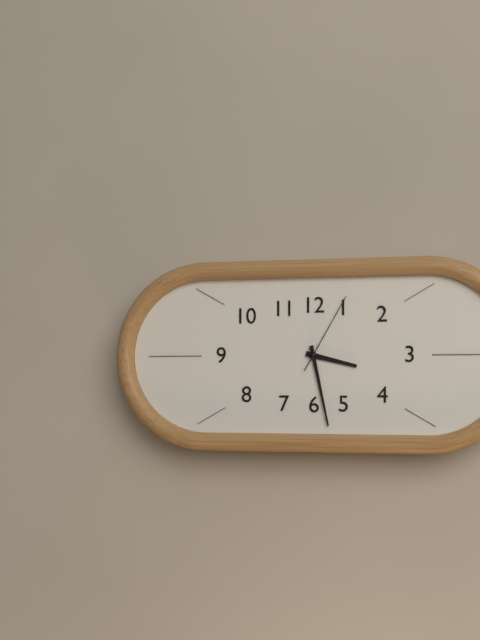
**3:28:05**
